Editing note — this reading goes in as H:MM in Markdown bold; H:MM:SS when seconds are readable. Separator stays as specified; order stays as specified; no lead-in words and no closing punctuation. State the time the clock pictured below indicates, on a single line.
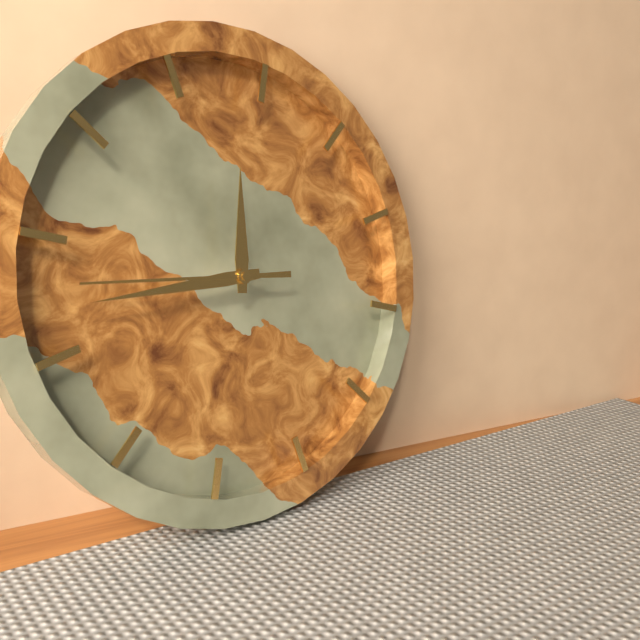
**11:42:43**
